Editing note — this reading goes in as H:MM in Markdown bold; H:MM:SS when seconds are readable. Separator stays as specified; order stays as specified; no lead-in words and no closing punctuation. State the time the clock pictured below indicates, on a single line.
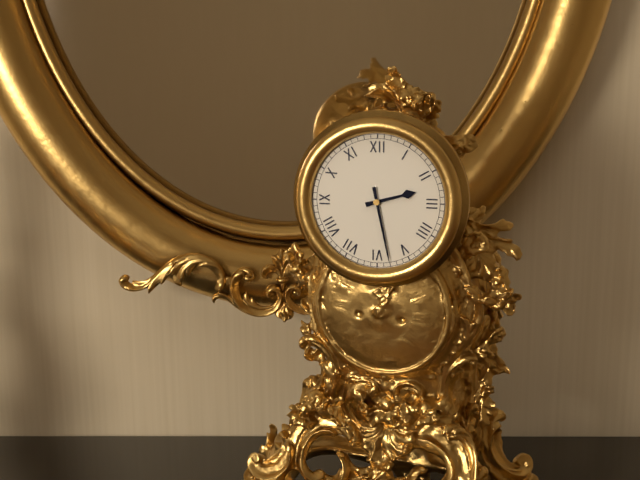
**2:28**
